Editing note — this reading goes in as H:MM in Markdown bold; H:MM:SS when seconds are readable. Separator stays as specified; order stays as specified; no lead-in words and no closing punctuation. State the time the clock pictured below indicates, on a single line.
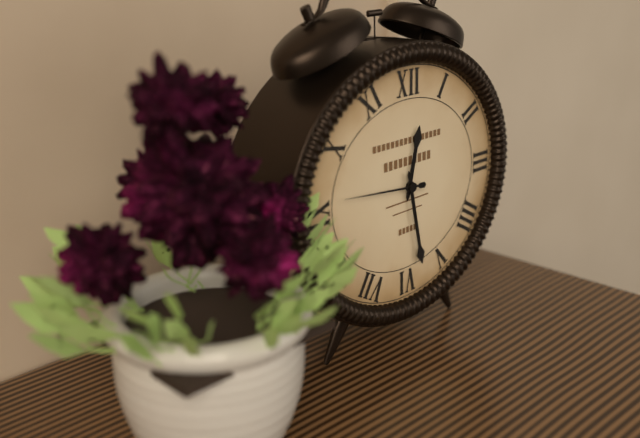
**12:28:46**
